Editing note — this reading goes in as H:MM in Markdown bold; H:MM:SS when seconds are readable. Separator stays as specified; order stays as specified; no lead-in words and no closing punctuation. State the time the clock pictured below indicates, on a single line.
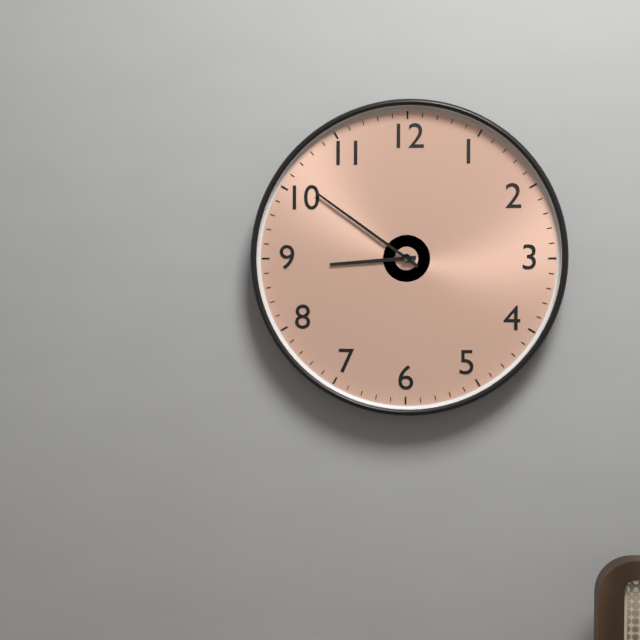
**8:51**
